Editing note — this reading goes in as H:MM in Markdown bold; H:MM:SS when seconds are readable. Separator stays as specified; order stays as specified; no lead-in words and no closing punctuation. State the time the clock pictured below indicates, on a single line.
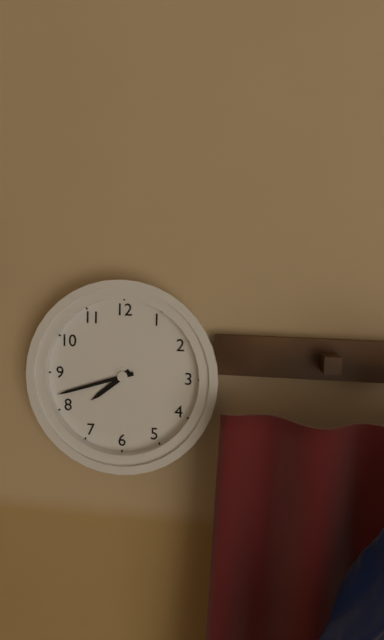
**7:42**
